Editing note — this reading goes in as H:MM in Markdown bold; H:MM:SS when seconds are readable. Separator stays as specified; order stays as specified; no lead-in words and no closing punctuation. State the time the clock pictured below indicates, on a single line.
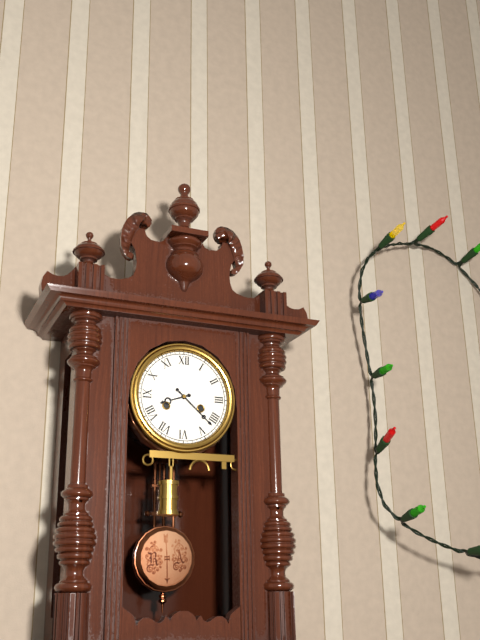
**8:22**
